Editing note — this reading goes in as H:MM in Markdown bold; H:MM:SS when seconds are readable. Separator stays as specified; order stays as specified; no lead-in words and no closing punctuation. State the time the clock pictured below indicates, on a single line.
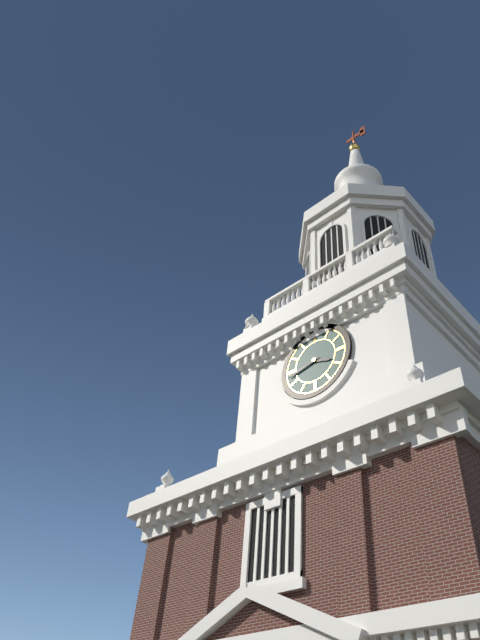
**3:43**
